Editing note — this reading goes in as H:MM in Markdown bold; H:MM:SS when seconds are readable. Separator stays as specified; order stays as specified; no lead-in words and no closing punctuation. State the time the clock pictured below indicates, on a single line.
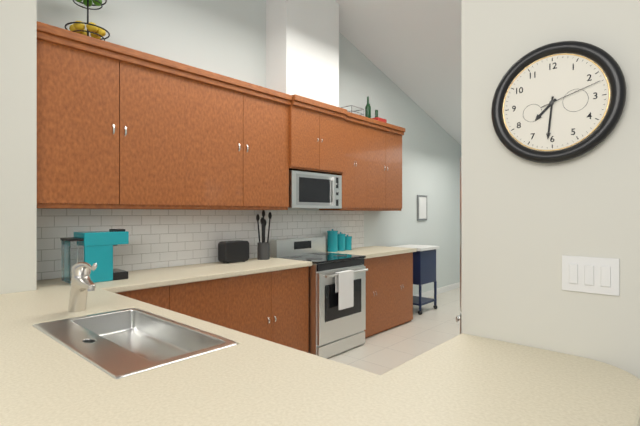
**7:31:12**
